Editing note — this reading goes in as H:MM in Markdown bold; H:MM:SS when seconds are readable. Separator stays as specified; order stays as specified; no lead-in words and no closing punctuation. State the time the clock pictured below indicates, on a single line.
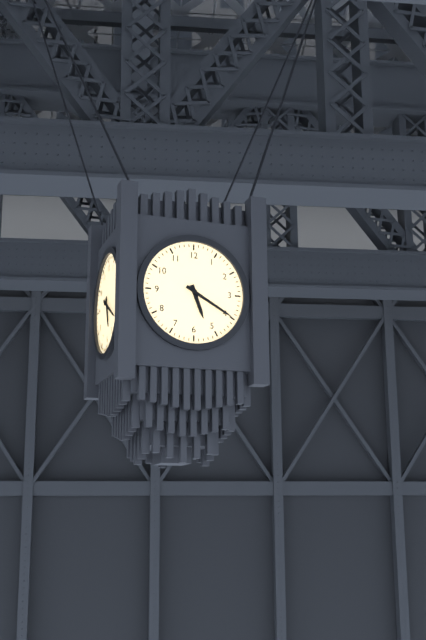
**5:20**
